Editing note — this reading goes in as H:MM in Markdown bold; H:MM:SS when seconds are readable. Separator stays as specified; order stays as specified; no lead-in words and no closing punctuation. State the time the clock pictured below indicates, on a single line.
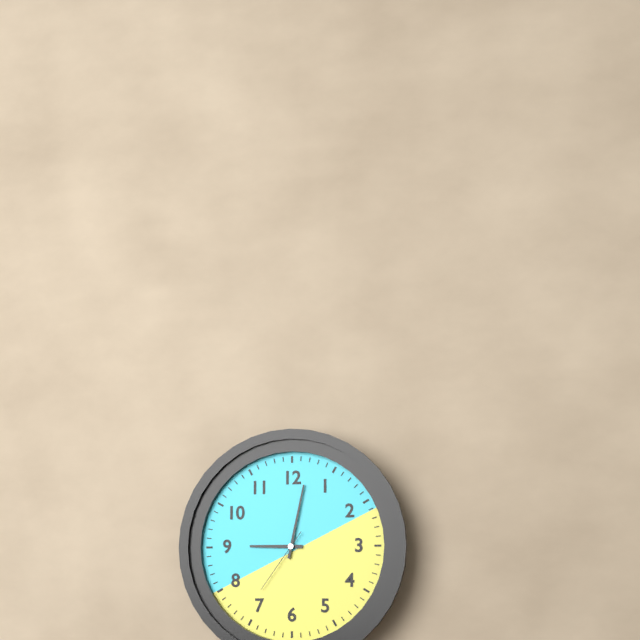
**9:02:36**
